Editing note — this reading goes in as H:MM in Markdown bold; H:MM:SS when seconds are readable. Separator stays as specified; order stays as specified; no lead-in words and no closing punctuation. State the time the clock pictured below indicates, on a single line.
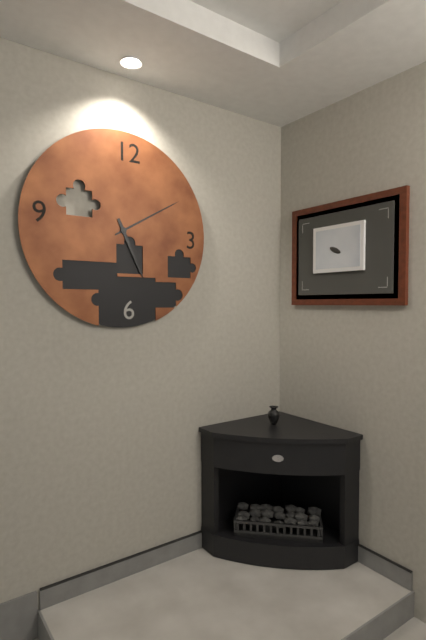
**5:10**
